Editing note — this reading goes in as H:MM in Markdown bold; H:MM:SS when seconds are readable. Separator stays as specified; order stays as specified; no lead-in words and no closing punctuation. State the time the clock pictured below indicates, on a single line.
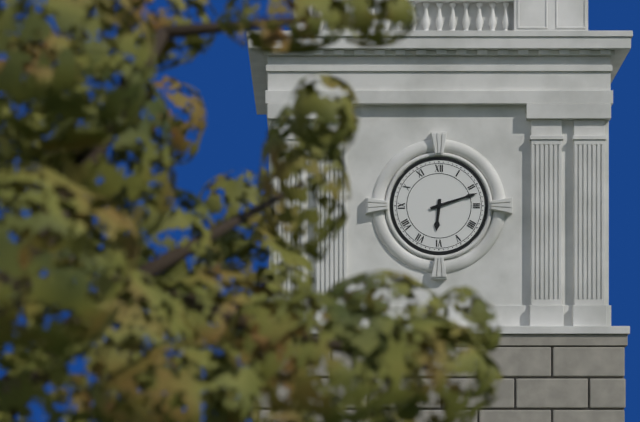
**6:12**
